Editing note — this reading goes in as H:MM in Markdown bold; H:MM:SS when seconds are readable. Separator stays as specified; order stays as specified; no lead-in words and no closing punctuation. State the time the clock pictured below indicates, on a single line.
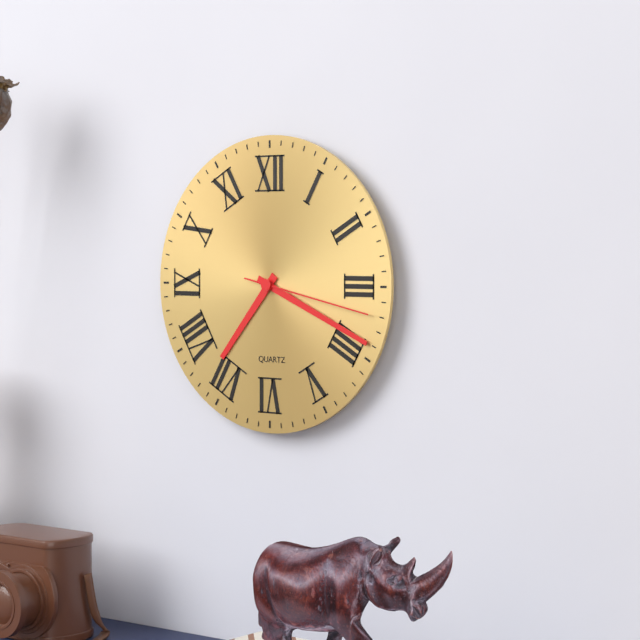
**7:19:17**
